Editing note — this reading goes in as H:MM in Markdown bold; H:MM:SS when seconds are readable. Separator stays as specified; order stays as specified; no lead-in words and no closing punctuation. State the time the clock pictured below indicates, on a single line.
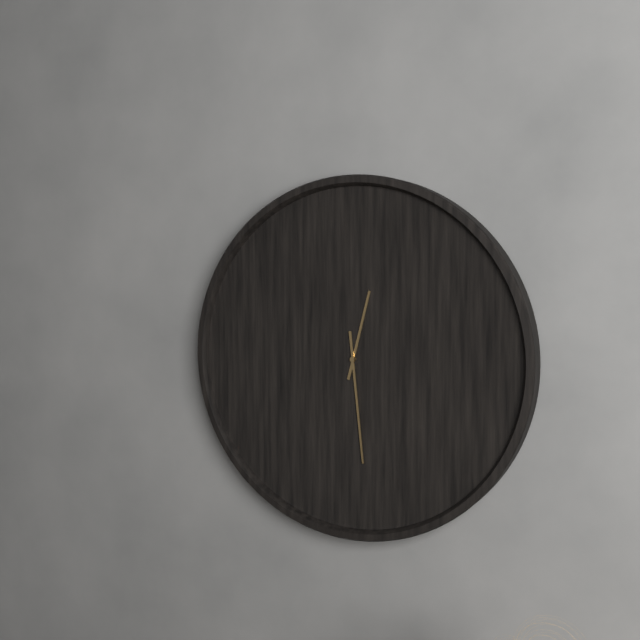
**12:29**
